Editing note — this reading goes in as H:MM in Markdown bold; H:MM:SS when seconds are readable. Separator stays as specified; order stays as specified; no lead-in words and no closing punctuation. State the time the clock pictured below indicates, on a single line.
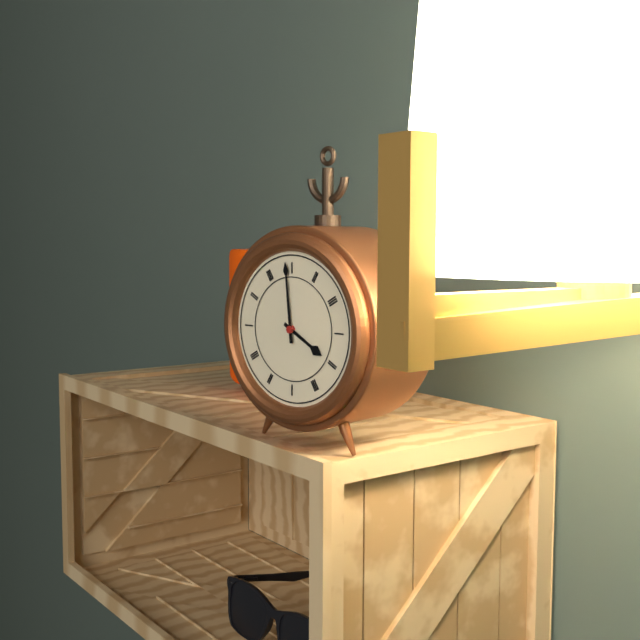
**3:59**
